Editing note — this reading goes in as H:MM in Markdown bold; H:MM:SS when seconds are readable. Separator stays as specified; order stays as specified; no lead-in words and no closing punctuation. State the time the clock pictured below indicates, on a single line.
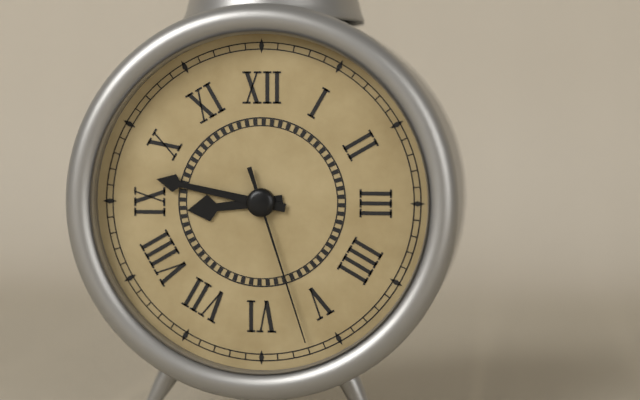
**8:47:27**
